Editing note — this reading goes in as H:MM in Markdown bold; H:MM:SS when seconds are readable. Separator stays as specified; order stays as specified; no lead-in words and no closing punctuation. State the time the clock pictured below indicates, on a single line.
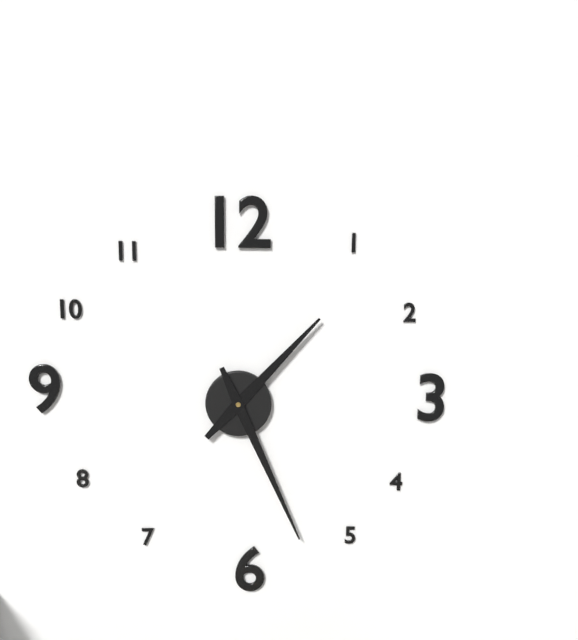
**1:26**
